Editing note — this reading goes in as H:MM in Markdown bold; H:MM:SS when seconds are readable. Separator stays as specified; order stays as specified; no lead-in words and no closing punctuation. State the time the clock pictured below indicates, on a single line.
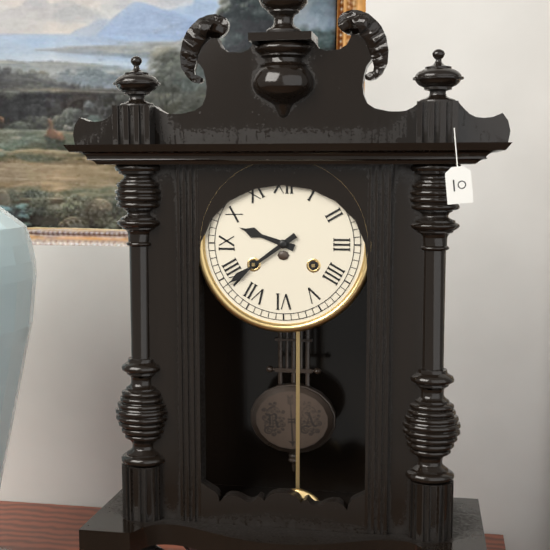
**9:39**
